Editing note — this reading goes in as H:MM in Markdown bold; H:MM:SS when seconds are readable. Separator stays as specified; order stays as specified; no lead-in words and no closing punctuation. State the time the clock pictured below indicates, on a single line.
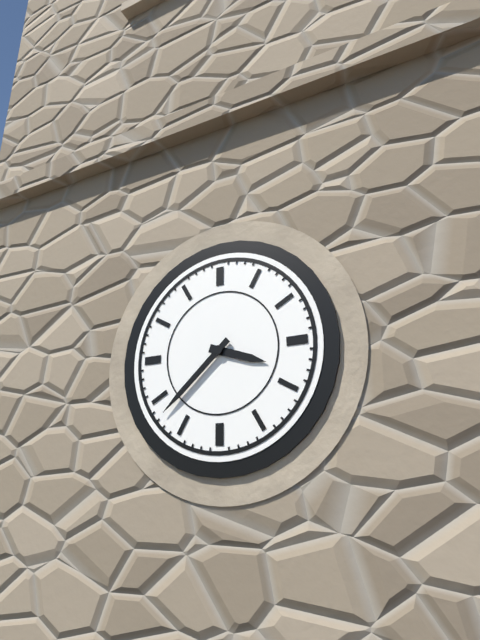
**3:38**
